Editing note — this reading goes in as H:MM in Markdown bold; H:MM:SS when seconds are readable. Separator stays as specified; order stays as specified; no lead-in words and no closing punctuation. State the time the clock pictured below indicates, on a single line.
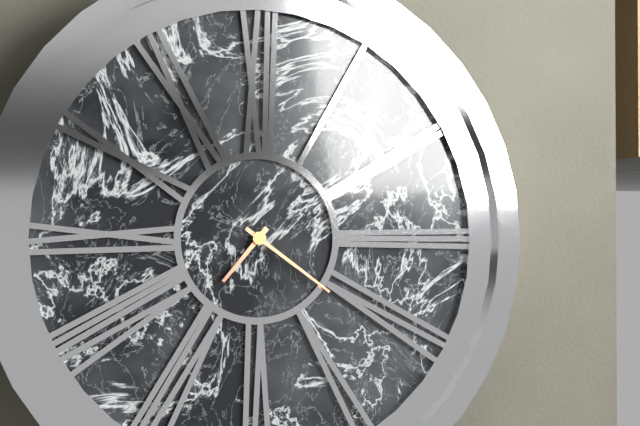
**7:21**
